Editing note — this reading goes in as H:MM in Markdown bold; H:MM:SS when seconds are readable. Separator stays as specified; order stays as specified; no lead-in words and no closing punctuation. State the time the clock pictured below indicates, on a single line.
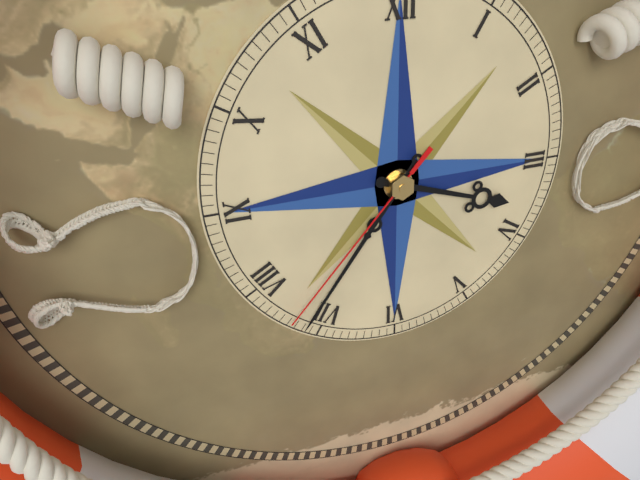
**3:36:37**
